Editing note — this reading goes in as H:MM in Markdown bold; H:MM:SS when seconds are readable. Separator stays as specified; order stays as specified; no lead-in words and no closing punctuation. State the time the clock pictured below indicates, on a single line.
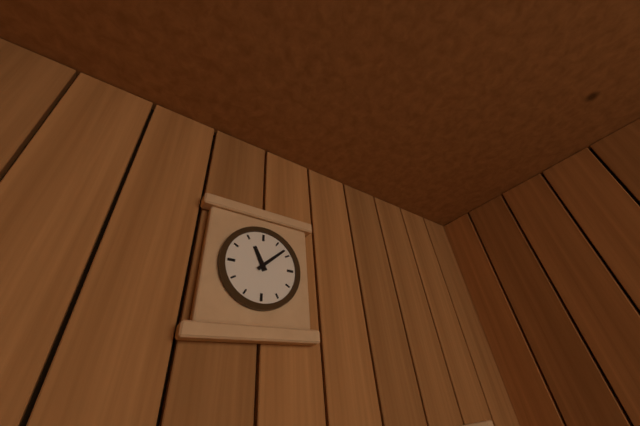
**11:08**
